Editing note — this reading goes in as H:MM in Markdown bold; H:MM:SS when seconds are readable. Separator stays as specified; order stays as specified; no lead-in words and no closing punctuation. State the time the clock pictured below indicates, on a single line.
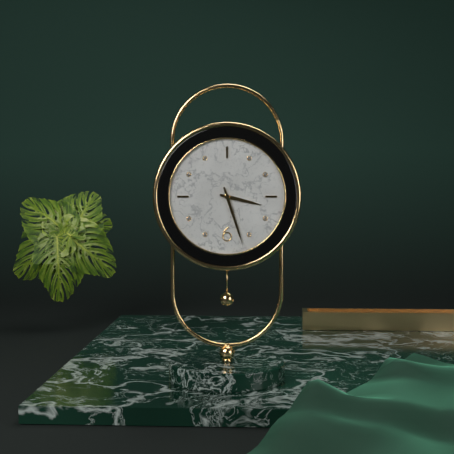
**3:27**
